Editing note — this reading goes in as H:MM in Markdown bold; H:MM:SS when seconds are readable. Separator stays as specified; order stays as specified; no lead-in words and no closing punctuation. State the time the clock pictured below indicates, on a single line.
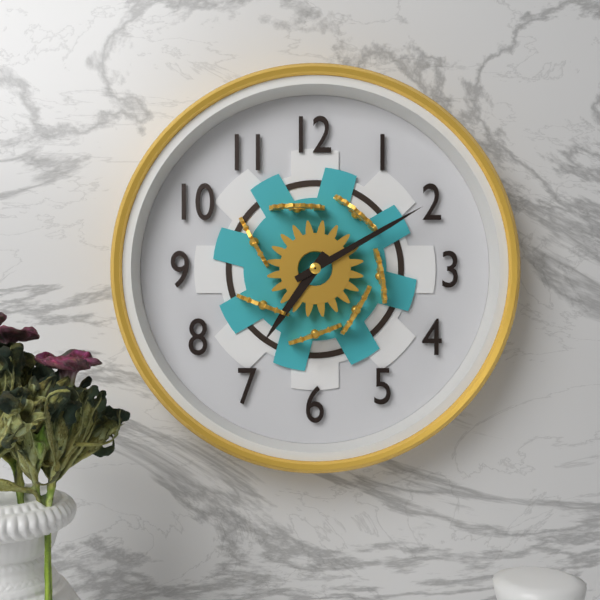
**7:10**
